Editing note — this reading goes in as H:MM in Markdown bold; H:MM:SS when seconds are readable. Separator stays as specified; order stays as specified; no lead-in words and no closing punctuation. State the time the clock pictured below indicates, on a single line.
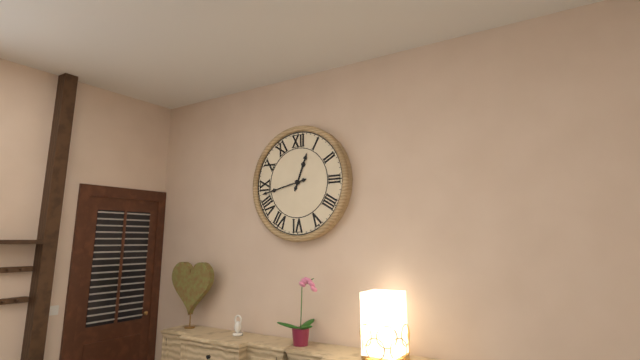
**12:43**
